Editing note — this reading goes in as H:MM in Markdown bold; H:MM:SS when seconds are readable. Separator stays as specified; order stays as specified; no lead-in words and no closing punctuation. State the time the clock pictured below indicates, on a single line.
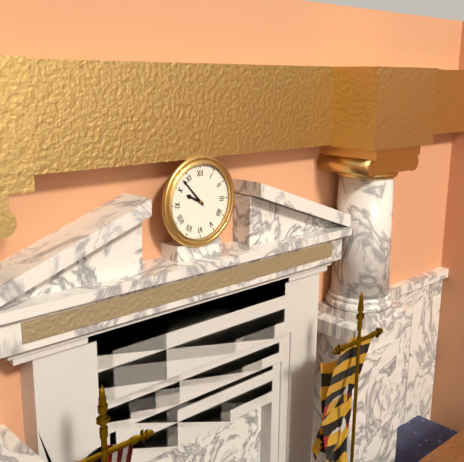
**9:53**
